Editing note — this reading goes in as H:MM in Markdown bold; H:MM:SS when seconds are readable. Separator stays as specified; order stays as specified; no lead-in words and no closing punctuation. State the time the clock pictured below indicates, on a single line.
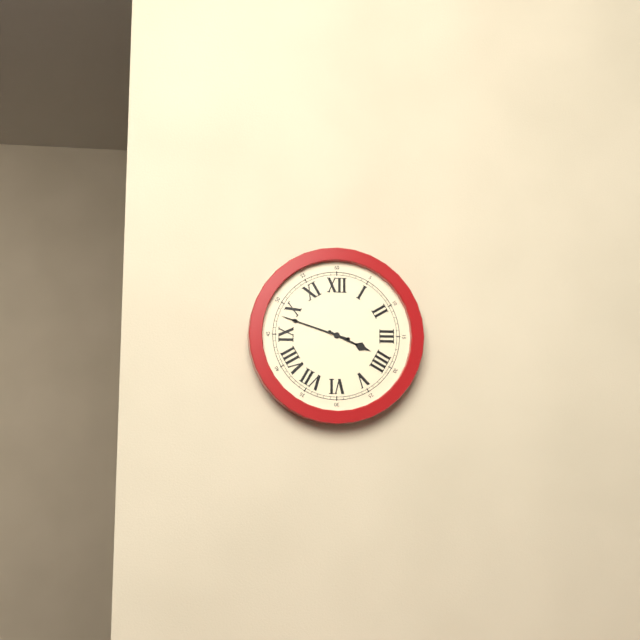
**3:48**
